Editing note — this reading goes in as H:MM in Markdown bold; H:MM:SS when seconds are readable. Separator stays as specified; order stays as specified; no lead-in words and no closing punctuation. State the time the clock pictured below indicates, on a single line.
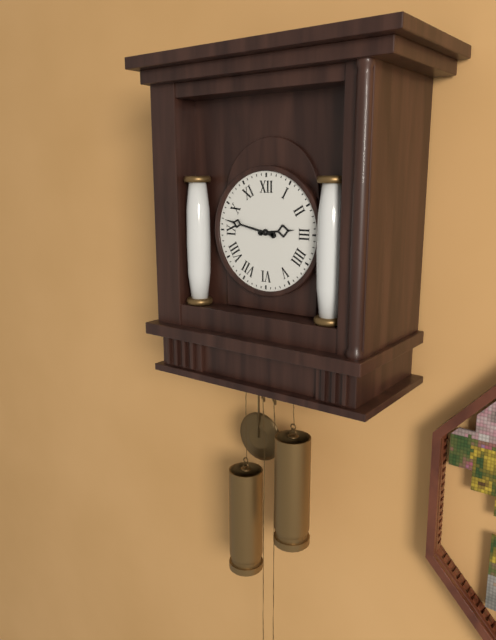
**2:47**
